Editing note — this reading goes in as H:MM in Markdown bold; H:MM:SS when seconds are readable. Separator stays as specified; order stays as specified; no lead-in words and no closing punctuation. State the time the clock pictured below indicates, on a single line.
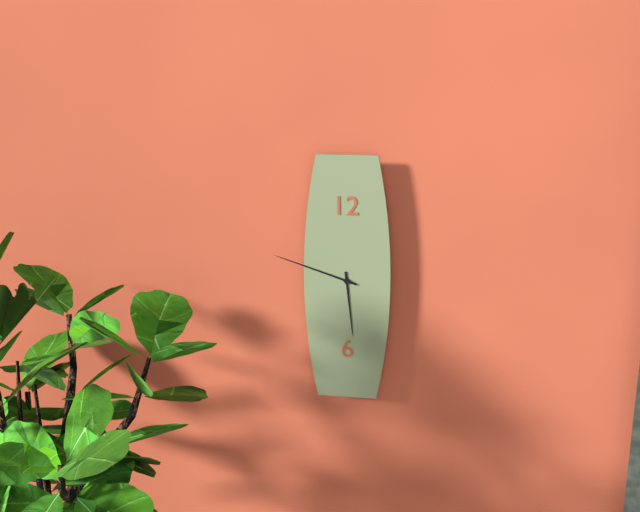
**5:48**
